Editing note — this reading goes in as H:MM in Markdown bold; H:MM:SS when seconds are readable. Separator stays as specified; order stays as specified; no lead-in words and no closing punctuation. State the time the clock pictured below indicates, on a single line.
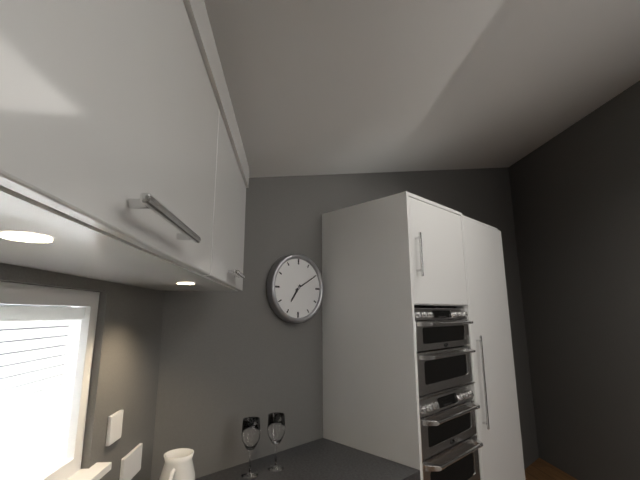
**7:10**
